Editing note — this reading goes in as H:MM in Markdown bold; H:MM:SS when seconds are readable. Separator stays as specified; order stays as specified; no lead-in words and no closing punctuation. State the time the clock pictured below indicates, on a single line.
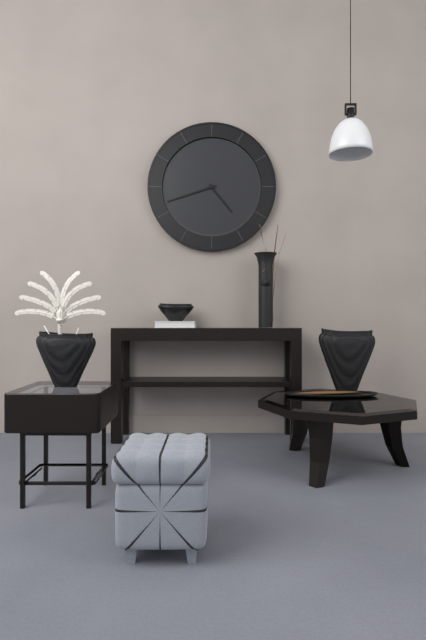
**4:42**
